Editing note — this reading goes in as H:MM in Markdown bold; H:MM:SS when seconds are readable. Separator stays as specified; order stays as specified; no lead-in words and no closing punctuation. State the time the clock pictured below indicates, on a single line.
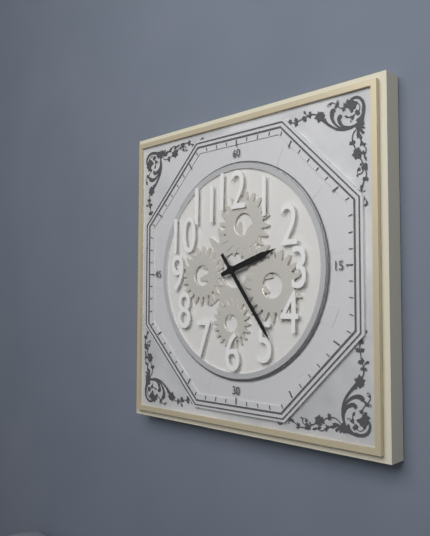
**2:24**
